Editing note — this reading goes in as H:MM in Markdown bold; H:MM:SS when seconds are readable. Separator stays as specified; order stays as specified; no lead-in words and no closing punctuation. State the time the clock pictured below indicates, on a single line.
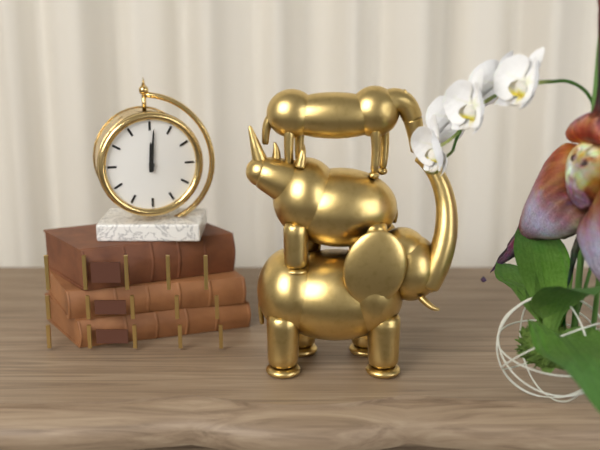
**12:01**
